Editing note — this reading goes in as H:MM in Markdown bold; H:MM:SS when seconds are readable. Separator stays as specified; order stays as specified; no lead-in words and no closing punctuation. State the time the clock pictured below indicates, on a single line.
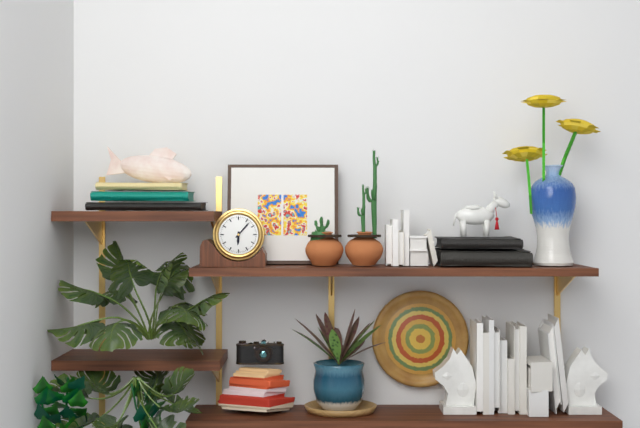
**6:07**
